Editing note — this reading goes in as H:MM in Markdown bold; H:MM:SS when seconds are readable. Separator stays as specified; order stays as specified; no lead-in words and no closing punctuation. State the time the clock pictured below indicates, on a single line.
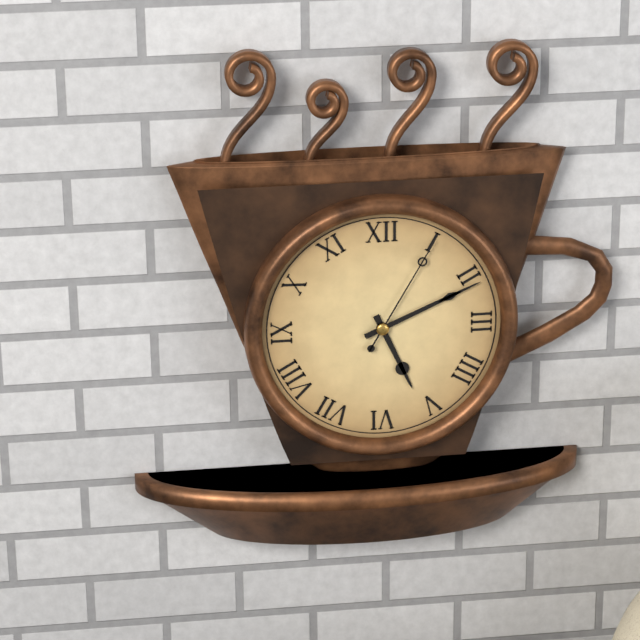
**5:11:05**
